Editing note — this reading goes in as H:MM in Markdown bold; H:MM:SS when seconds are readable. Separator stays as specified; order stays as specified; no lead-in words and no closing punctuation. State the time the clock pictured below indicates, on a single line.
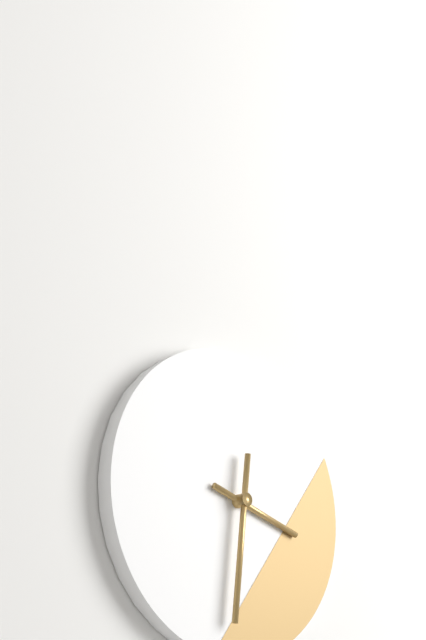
**3:31**
